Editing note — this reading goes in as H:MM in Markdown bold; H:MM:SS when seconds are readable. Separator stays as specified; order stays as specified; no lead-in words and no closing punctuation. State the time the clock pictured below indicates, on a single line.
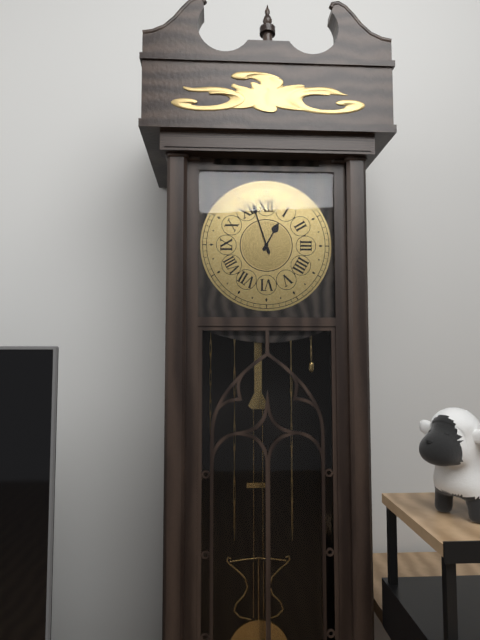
**12:57**
